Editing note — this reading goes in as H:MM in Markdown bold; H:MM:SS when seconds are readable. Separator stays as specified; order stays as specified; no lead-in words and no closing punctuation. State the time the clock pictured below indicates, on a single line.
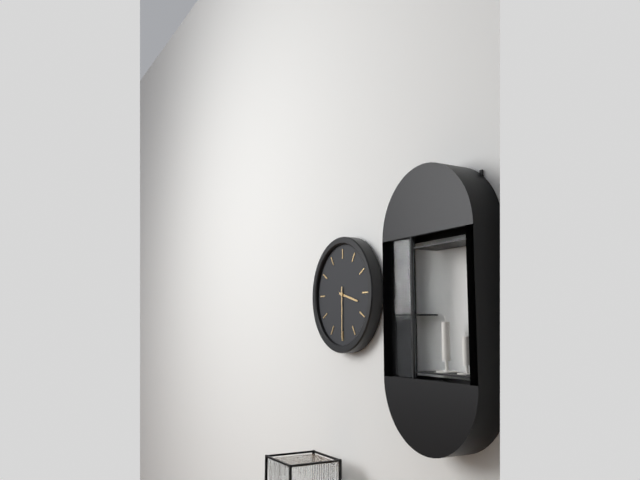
**3:30**
